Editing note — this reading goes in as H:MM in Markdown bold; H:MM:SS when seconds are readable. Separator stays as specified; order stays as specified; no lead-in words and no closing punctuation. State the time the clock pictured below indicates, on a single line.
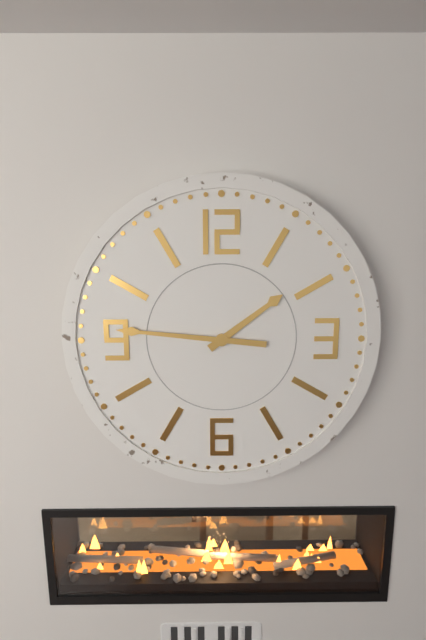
**1:46**
